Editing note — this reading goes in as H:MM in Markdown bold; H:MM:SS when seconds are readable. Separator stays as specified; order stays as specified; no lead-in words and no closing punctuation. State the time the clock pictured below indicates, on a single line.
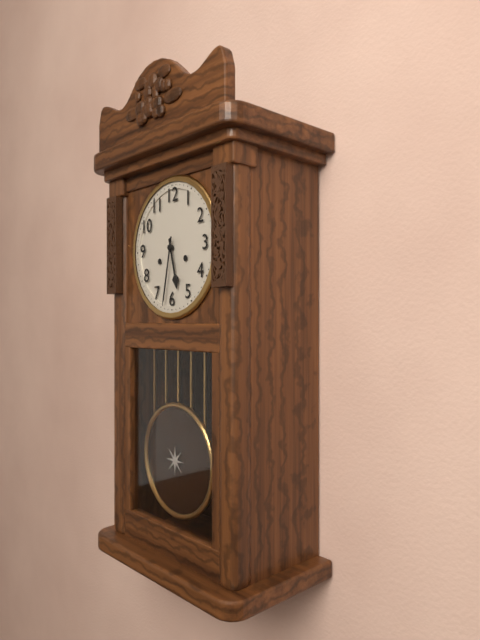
**5:32**
